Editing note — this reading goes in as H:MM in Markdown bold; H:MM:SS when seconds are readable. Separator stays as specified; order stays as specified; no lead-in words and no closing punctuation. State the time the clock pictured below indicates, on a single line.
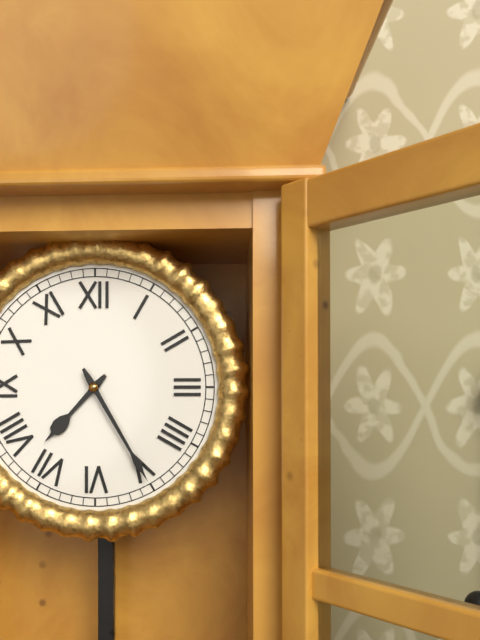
**7:25**
